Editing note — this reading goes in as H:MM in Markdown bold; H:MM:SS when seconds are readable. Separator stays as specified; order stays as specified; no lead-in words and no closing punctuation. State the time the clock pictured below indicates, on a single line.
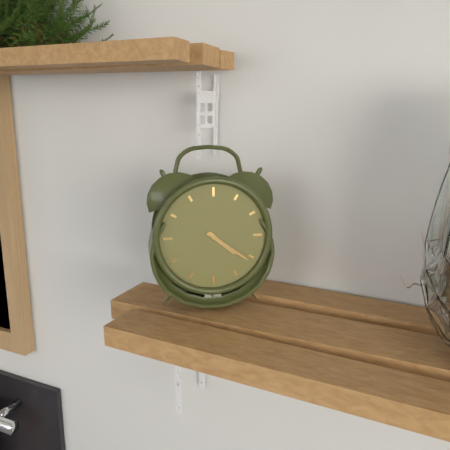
**4:21**
